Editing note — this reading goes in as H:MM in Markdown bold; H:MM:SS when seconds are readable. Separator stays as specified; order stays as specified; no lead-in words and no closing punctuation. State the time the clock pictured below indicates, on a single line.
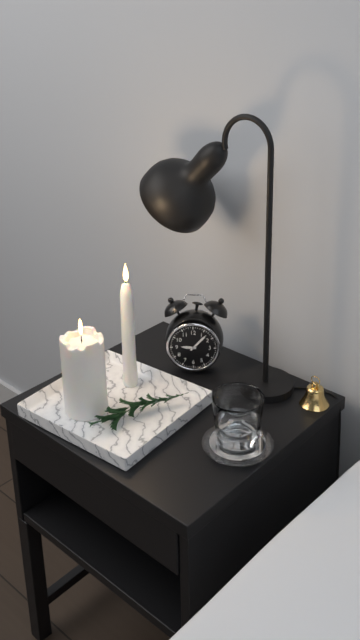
**9:07**
